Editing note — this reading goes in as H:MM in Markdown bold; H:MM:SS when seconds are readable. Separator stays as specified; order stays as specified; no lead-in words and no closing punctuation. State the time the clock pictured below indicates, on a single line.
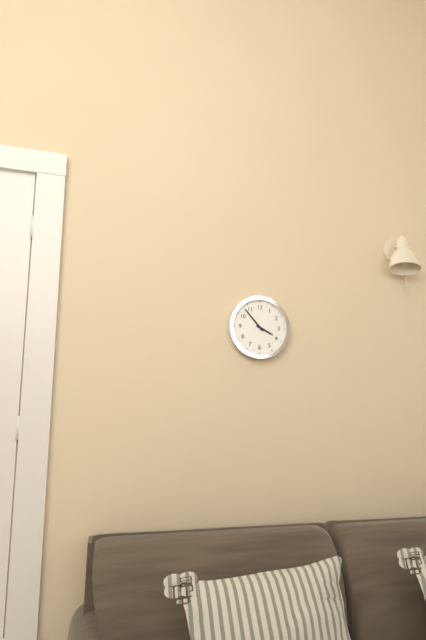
**3:53**
